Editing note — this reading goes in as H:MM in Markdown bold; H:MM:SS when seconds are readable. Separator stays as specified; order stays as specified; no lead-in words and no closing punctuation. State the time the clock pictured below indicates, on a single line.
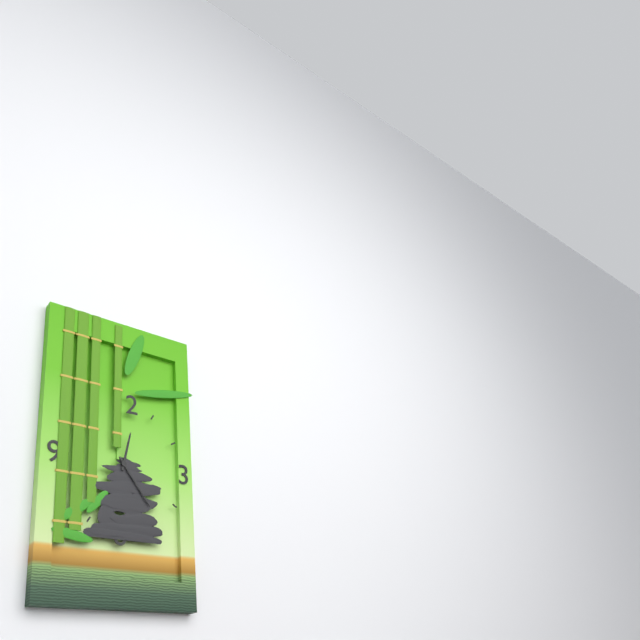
**12:24**
